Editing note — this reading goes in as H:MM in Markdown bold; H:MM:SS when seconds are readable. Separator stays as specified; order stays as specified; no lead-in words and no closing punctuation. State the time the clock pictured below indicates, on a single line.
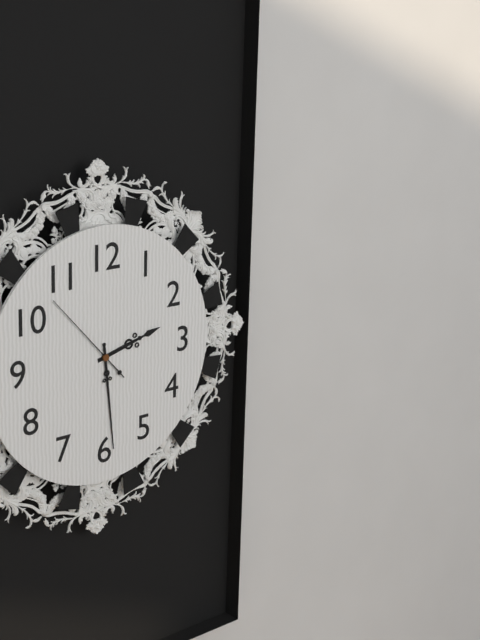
**2:29:53**
